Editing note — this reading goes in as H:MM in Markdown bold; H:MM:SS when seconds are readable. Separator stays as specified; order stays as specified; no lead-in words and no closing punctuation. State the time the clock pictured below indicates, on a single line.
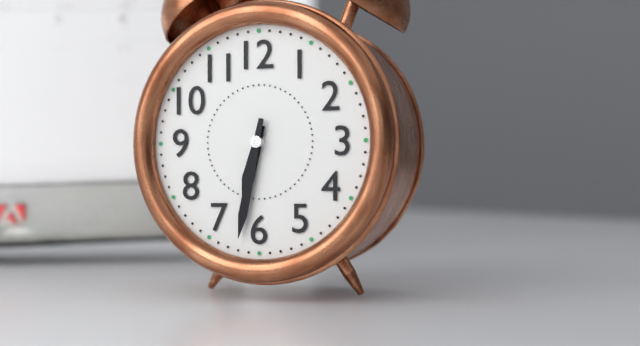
**6:32**
